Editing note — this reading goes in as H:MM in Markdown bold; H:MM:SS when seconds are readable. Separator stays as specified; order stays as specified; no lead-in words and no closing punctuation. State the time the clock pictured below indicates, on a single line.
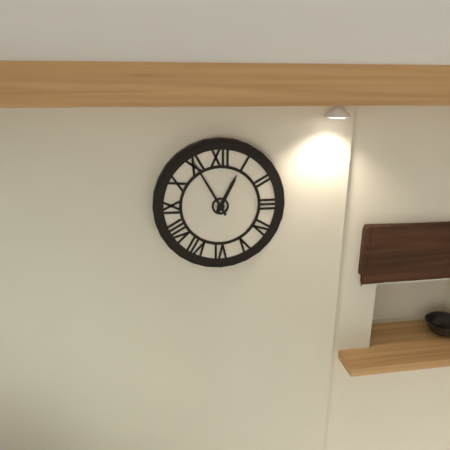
**12:55**
